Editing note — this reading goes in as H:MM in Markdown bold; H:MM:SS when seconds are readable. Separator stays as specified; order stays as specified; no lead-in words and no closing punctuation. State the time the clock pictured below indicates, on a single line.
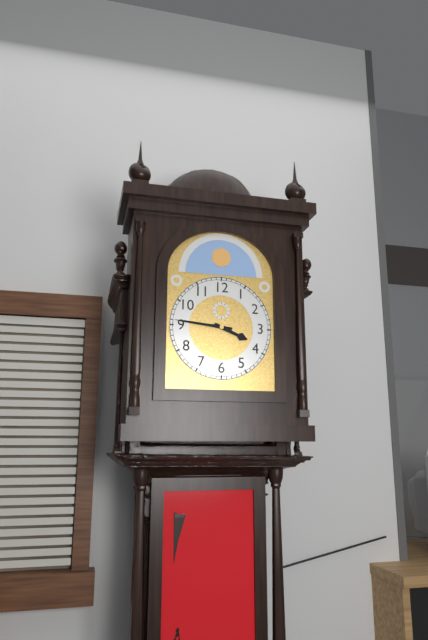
**3:46**
